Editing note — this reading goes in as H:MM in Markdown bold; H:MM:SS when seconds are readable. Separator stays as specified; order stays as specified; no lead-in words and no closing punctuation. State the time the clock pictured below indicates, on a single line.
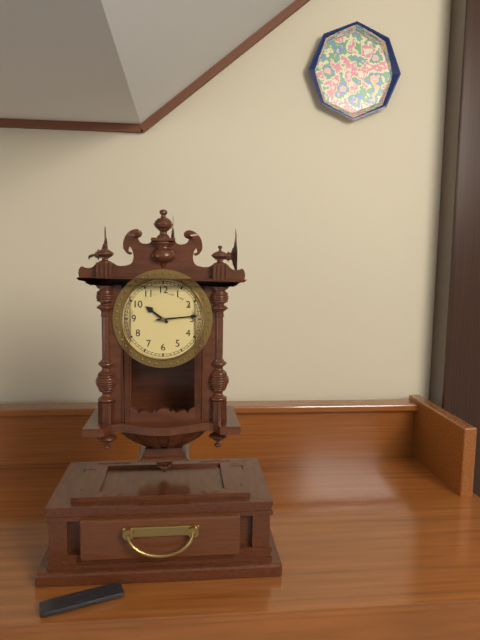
**10:14**
